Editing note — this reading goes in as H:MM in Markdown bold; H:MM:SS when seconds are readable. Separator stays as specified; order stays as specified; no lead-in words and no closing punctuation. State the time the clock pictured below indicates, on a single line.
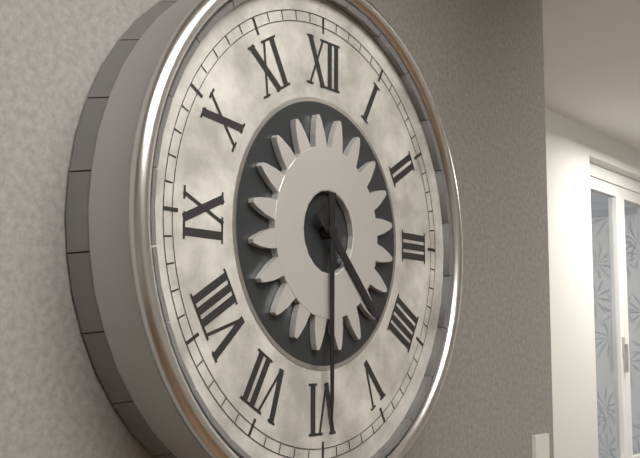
**4:30**
